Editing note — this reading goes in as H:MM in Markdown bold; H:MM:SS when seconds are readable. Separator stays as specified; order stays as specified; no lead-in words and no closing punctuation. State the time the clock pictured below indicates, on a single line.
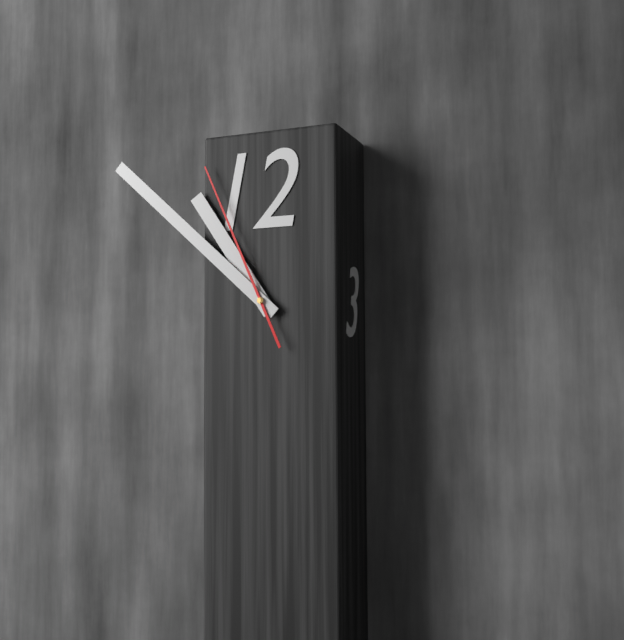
**10:52:56**
